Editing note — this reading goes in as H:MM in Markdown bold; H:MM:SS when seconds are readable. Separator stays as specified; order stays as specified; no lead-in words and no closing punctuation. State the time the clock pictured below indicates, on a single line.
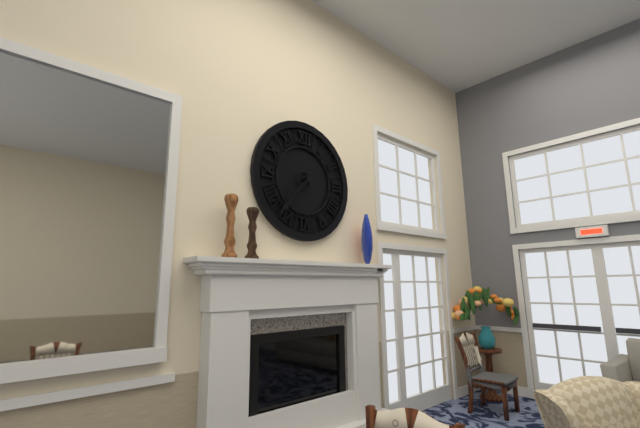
**7:37**
